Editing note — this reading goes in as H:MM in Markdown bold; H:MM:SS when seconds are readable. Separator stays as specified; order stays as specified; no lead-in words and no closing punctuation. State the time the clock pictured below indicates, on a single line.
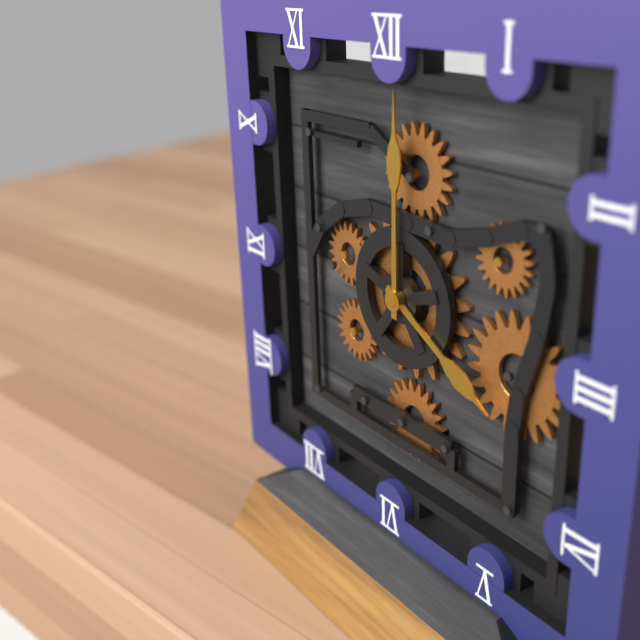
**4:00**
